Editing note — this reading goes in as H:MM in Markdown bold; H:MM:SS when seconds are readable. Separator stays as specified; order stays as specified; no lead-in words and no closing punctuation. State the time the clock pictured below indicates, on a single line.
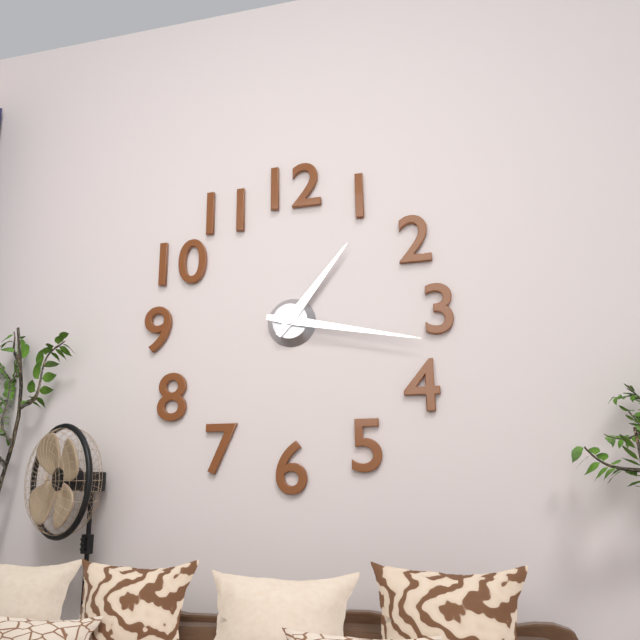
**1:17**
